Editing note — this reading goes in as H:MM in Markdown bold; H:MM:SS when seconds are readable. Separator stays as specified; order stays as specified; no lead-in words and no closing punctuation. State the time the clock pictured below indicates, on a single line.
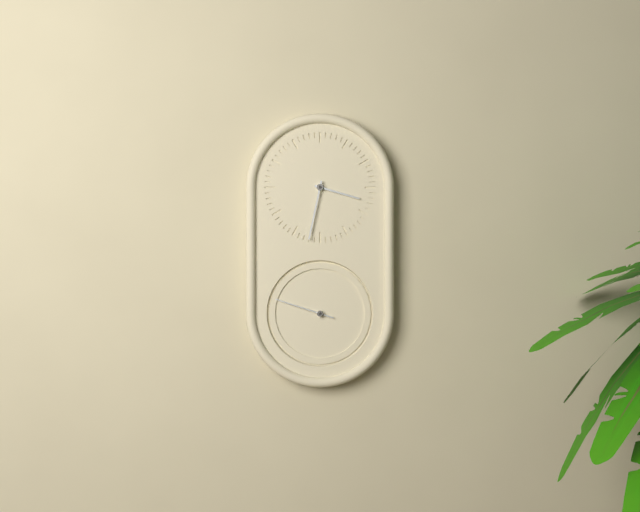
**3:32:48**
